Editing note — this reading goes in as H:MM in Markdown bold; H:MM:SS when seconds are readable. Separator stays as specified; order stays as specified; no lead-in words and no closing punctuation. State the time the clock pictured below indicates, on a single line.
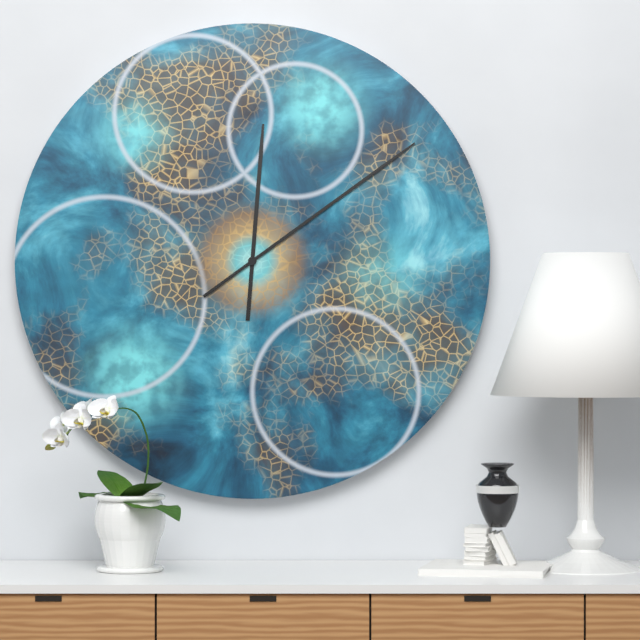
**12:09**
